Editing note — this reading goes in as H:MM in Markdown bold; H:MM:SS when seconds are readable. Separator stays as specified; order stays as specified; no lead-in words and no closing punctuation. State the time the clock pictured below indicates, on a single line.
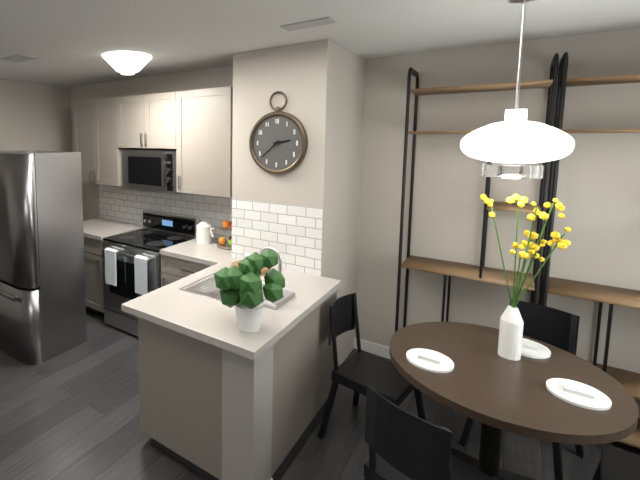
**2:38**
